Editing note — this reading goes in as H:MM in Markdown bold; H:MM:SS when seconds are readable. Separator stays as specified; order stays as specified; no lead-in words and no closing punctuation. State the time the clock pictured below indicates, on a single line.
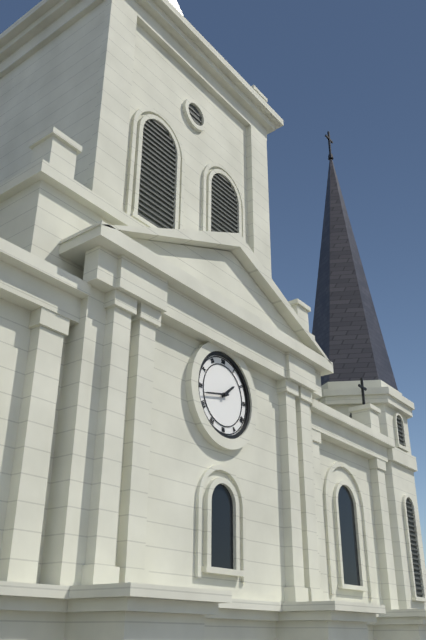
**1:43**
